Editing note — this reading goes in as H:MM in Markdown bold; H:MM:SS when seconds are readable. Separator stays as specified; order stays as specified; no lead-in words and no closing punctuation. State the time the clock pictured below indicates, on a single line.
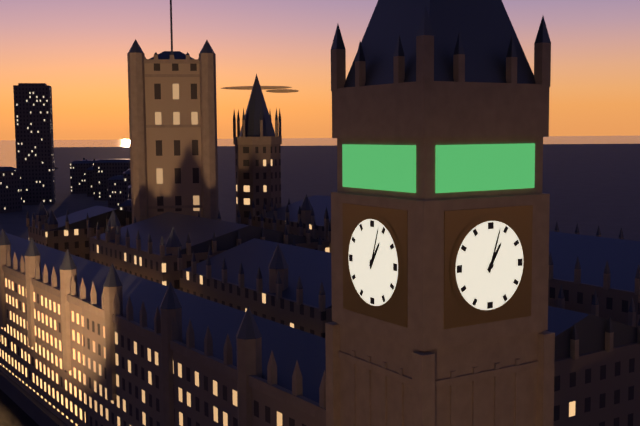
**1:03**
